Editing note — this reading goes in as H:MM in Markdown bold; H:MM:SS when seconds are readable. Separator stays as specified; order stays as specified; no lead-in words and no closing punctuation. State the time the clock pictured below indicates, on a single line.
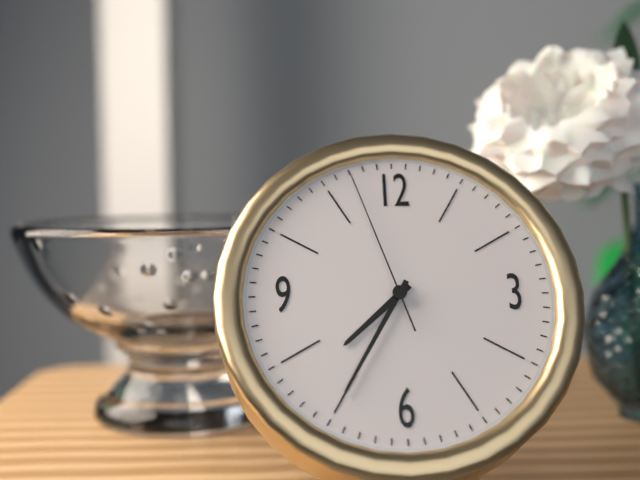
**7:35:57**
